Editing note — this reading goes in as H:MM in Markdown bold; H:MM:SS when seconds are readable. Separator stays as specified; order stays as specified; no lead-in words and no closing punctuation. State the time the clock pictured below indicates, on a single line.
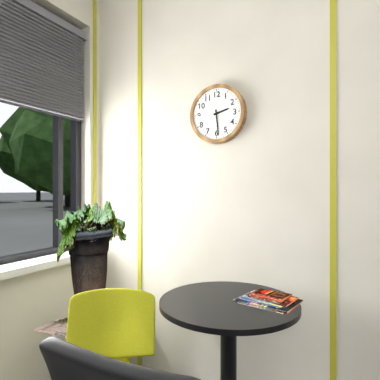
**2:29**
